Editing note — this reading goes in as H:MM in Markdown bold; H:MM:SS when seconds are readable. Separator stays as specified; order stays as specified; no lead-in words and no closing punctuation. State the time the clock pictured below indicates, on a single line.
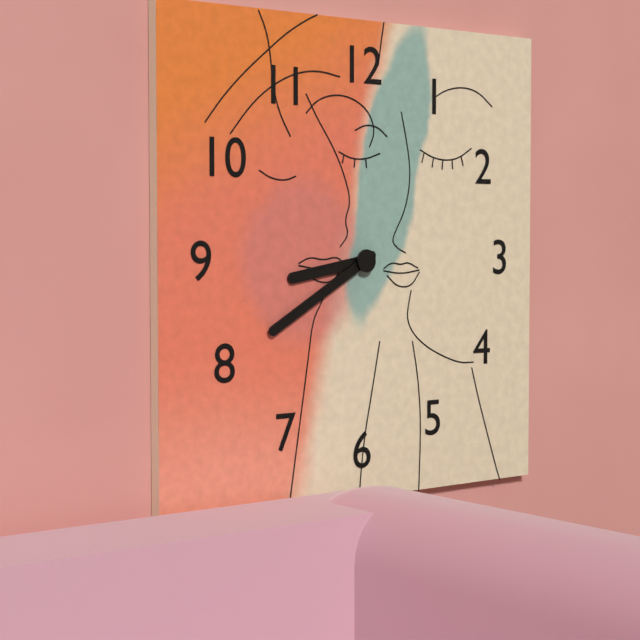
**8:40**
